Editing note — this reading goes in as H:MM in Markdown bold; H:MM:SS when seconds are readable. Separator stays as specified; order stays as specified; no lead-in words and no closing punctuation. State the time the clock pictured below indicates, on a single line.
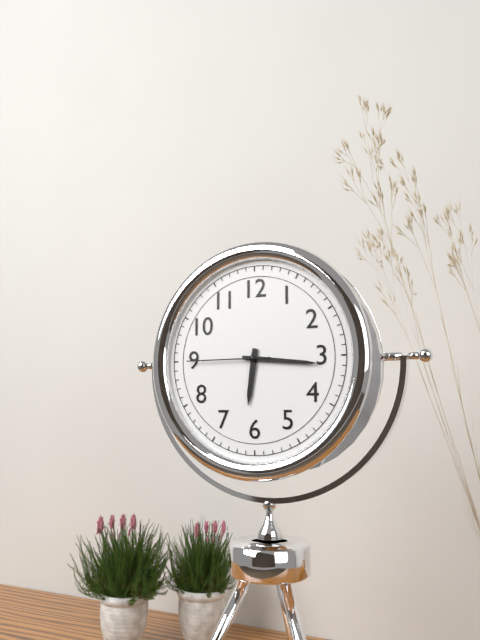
**6:16:45**
